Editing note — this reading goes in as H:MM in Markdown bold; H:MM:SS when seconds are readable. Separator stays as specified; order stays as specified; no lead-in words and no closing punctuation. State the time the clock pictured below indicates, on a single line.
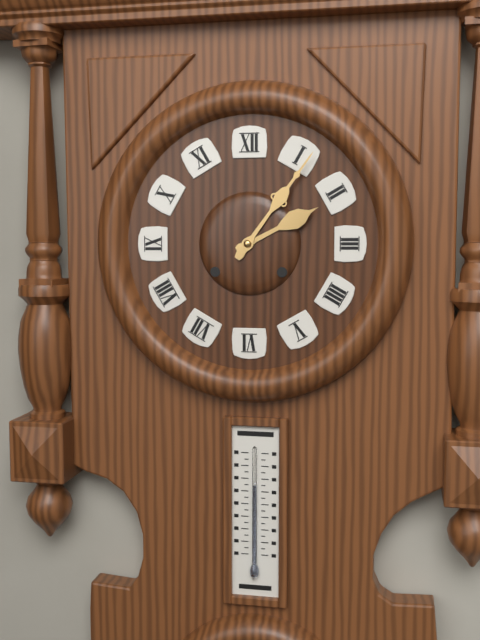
**2:06**
